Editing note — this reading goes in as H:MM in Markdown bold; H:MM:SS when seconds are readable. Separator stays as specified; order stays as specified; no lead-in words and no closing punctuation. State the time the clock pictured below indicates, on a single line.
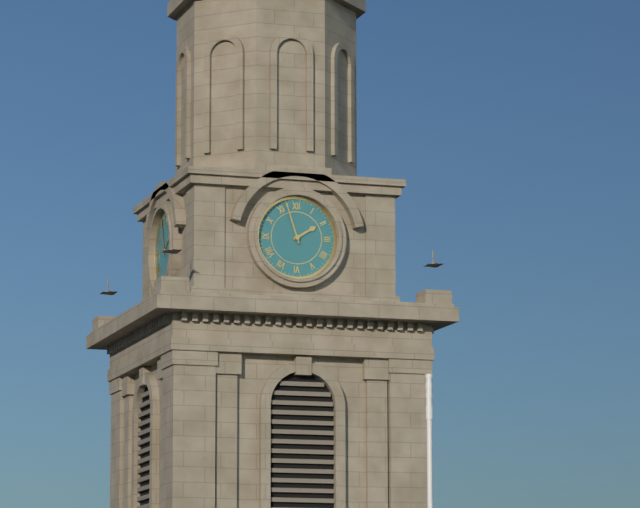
**1:57**
